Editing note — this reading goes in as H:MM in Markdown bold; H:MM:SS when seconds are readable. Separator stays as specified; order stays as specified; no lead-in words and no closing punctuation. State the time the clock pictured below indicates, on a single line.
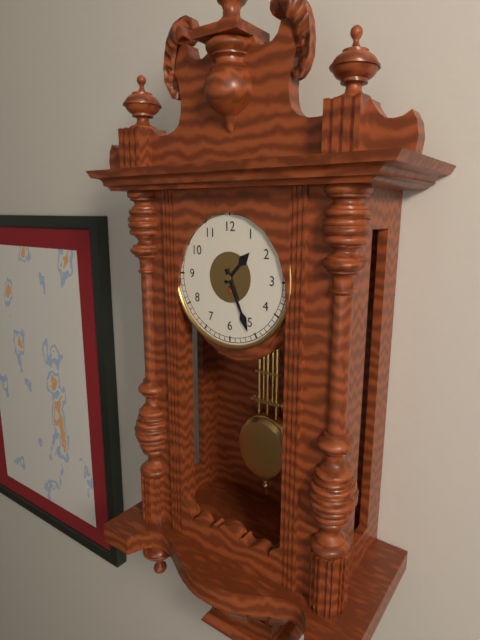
**1:26**
